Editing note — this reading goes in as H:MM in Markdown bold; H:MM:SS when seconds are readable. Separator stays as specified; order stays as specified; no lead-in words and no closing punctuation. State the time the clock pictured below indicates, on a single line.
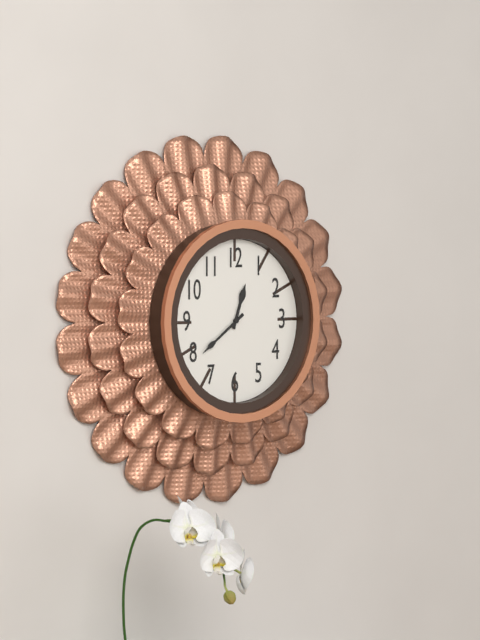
**12:39**
